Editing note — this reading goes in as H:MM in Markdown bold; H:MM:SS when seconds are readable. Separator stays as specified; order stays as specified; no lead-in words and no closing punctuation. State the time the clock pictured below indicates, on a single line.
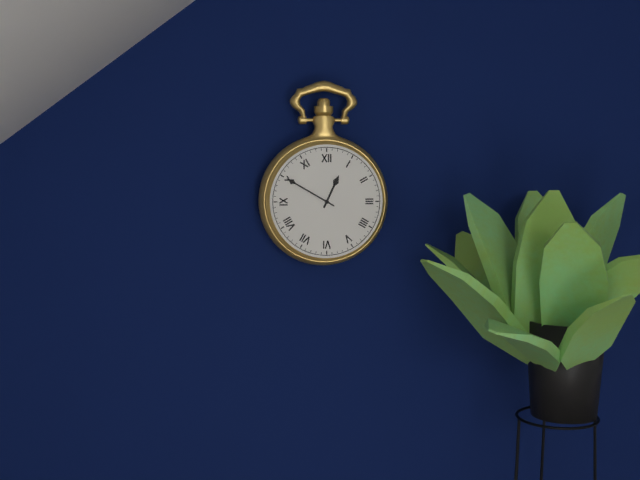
**12:50**
